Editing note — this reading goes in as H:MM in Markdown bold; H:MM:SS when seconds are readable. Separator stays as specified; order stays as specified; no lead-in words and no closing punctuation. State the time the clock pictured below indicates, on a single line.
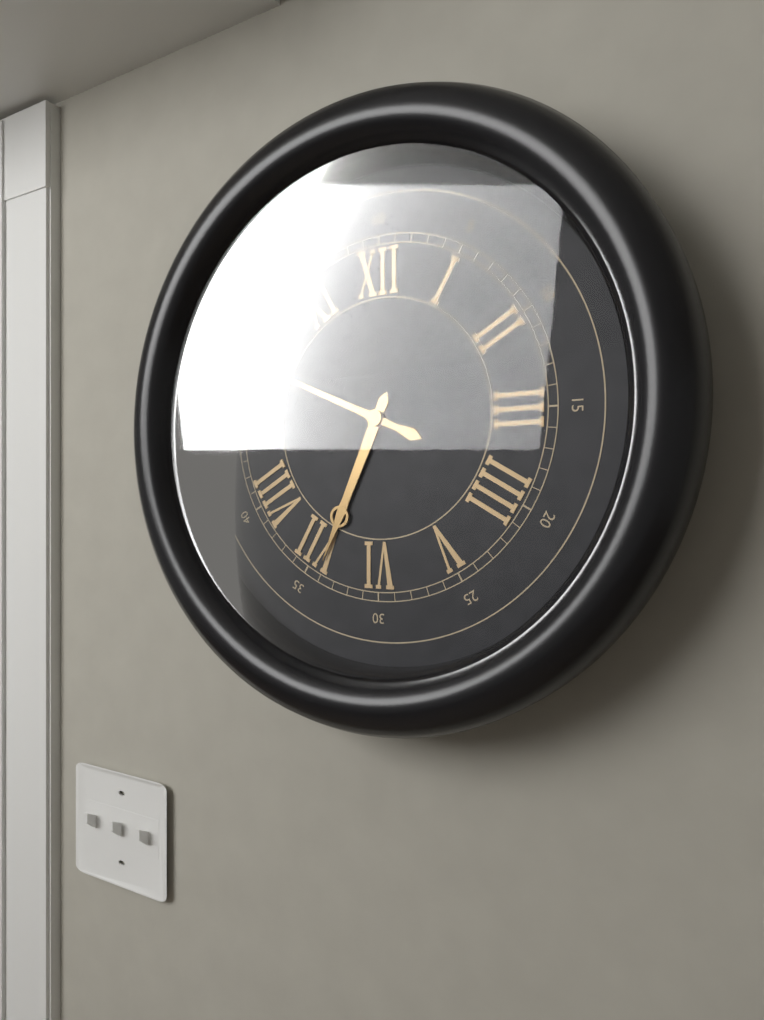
**6:49**
